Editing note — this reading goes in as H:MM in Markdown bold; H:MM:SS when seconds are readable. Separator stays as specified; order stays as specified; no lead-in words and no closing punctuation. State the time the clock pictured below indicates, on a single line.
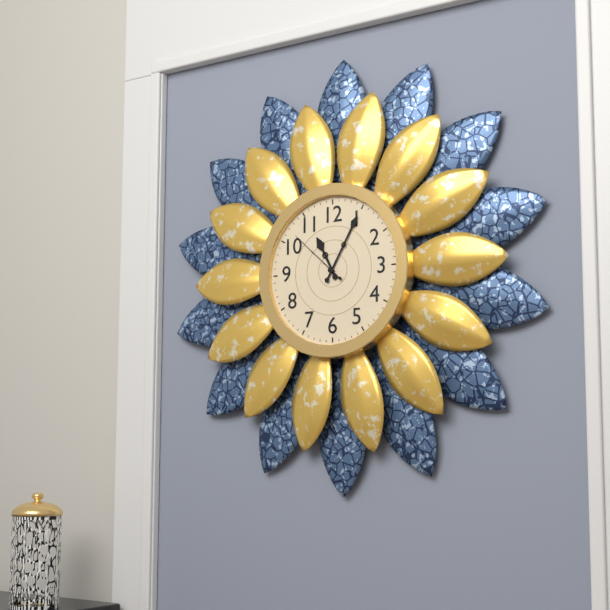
**11:05:52**
